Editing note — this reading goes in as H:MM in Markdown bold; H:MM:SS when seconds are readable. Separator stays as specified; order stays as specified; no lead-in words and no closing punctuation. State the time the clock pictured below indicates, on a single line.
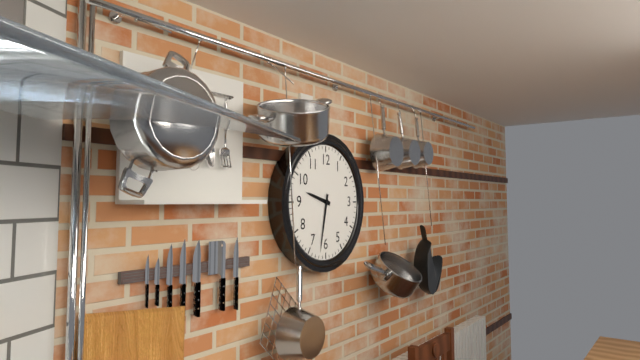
**9:32**
